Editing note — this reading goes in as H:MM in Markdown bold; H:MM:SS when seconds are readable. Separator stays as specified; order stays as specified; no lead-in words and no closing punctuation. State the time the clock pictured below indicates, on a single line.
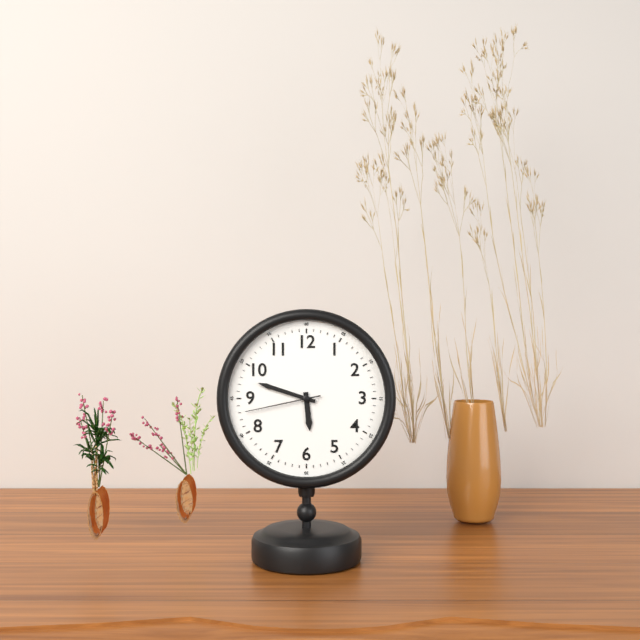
**5:48:43**
